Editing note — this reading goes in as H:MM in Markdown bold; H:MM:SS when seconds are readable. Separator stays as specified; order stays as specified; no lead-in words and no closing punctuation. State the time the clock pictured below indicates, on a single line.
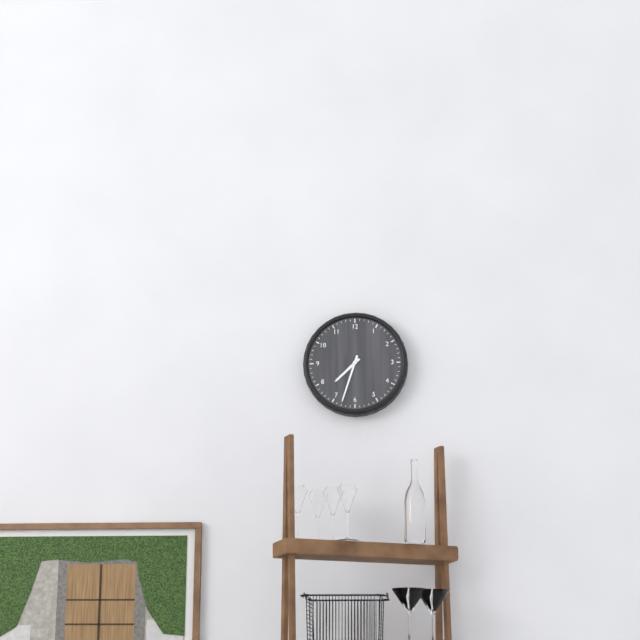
**7:33**
